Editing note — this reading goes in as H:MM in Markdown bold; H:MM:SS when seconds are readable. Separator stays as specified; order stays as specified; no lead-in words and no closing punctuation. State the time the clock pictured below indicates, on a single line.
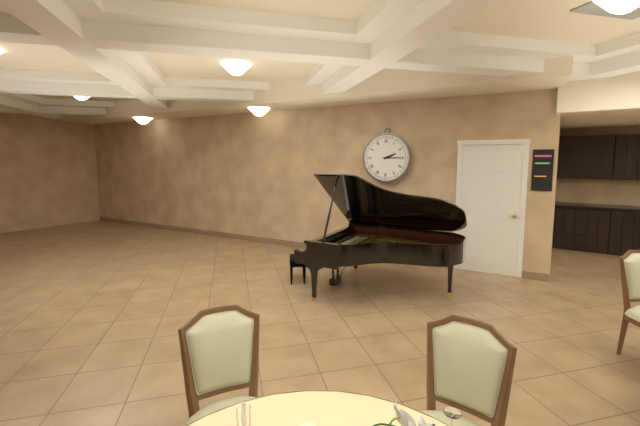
**2:15**
